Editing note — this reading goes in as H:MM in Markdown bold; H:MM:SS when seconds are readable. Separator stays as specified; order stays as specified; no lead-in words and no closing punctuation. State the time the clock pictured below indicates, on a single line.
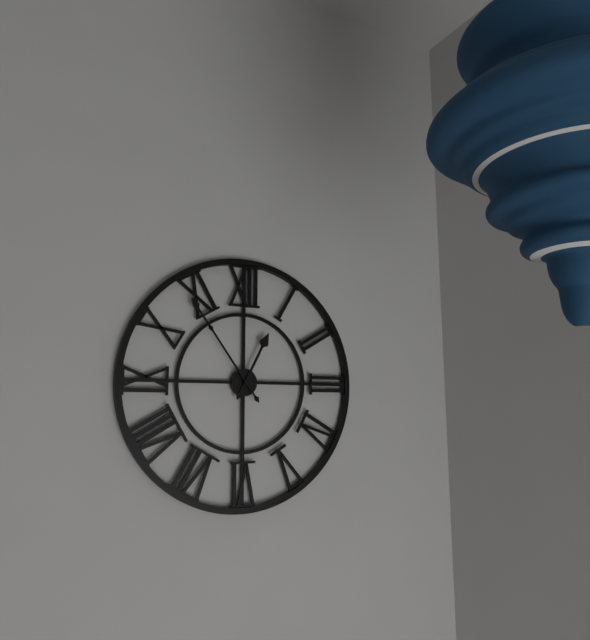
**12:54**
